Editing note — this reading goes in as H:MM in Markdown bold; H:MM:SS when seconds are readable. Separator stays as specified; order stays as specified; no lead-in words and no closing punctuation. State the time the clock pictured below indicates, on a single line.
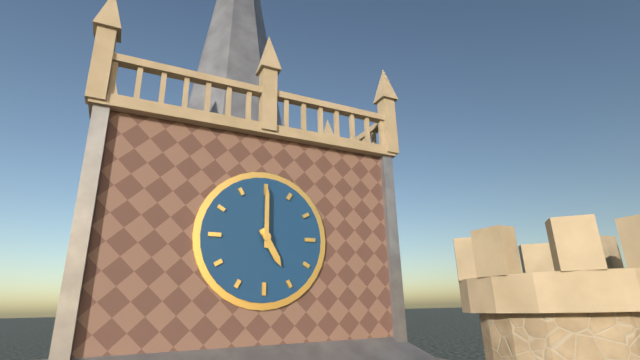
**5:00**
